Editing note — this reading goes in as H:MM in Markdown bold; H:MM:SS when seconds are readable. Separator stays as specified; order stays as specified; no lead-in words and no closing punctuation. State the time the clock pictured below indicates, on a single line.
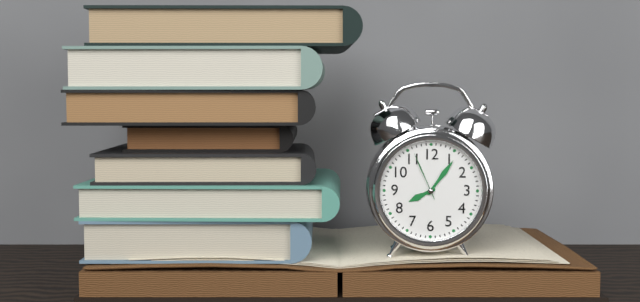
**8:06:56**
